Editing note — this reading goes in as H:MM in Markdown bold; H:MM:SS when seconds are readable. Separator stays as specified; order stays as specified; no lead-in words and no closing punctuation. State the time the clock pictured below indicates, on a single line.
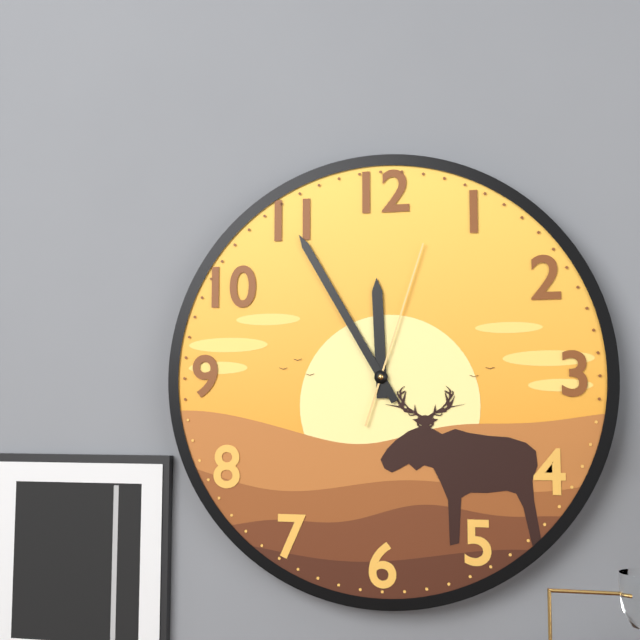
**11:55:03**
